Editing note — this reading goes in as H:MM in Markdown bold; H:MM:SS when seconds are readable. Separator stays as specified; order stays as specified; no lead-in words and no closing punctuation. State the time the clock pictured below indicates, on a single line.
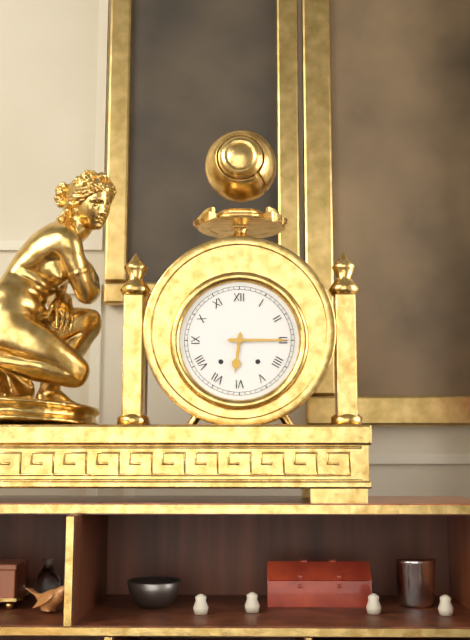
**6:15**
